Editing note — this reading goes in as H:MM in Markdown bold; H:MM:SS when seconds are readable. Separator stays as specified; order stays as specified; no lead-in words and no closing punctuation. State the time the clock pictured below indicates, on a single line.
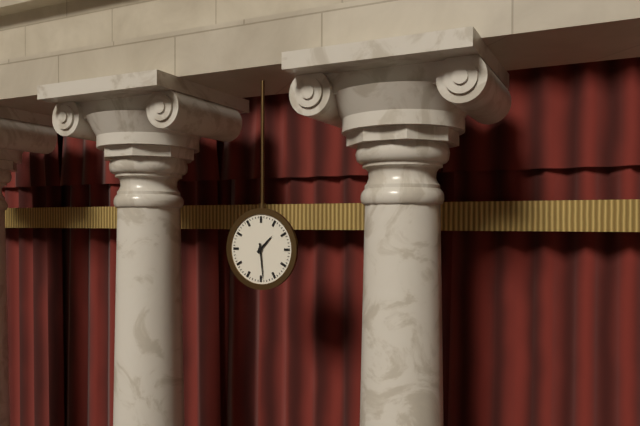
**1:29**
